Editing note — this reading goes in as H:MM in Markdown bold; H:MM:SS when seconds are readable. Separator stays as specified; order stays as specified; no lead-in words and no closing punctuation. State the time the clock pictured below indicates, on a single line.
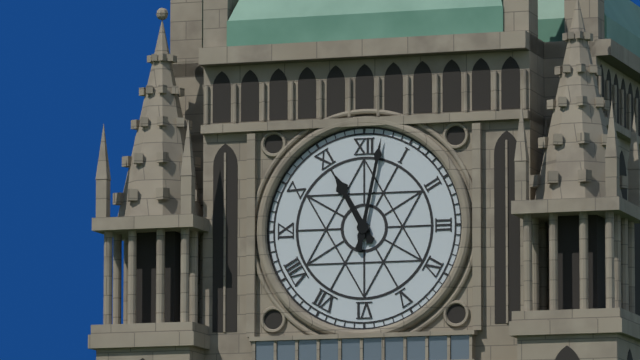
**11:02**
